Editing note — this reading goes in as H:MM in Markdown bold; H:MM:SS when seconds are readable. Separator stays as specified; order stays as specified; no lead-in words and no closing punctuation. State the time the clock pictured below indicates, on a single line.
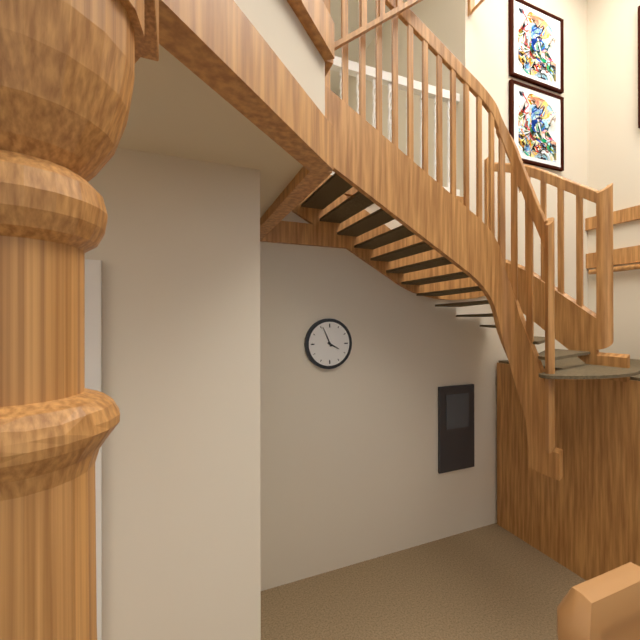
**3:56**
